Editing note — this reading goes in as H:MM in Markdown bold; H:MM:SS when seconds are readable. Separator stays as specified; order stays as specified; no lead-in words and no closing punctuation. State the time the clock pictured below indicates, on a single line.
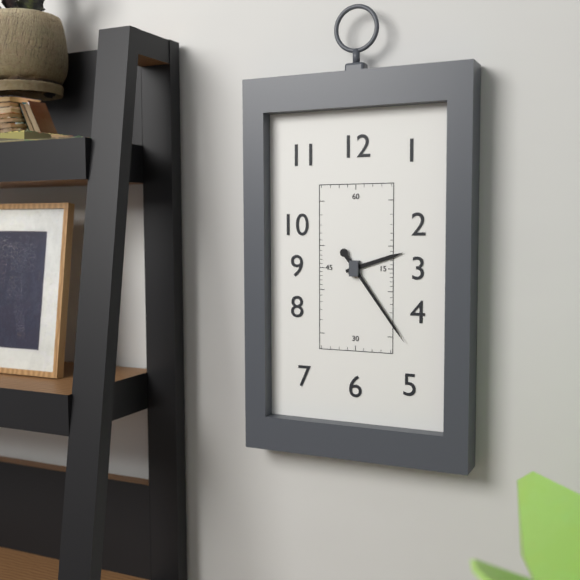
**2:24**
